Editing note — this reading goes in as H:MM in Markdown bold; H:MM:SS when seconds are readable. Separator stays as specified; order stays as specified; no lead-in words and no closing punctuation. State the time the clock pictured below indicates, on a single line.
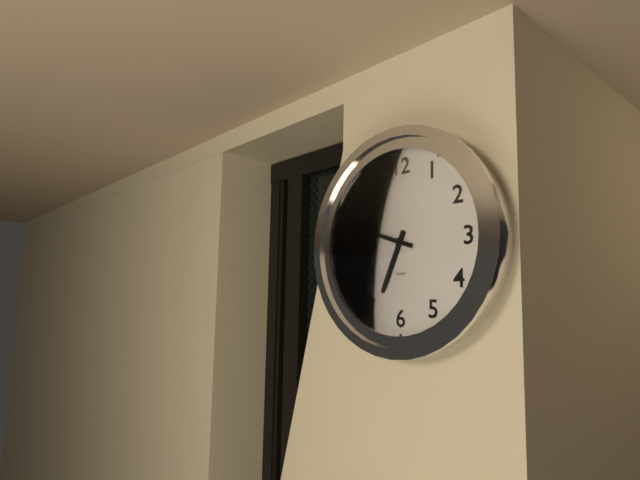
**6:48**
